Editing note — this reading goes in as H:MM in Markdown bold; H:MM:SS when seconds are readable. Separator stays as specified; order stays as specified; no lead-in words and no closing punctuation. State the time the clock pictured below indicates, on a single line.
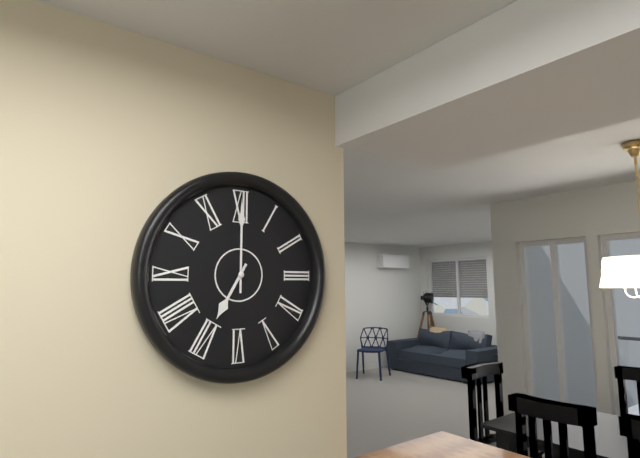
**7:00**
